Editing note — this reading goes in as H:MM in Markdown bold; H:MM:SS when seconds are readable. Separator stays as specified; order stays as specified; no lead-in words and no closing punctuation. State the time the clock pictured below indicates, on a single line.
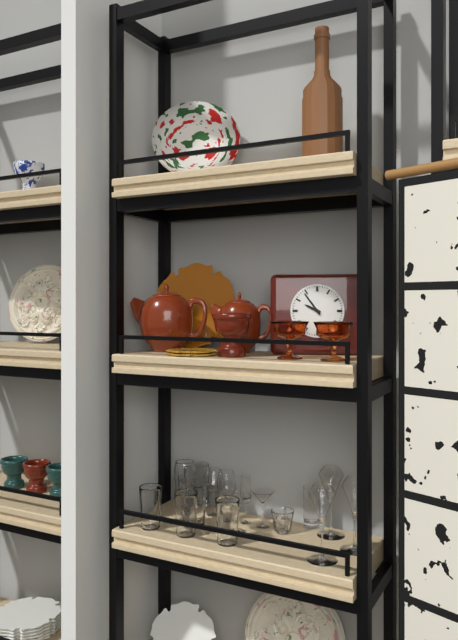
**9:54**
